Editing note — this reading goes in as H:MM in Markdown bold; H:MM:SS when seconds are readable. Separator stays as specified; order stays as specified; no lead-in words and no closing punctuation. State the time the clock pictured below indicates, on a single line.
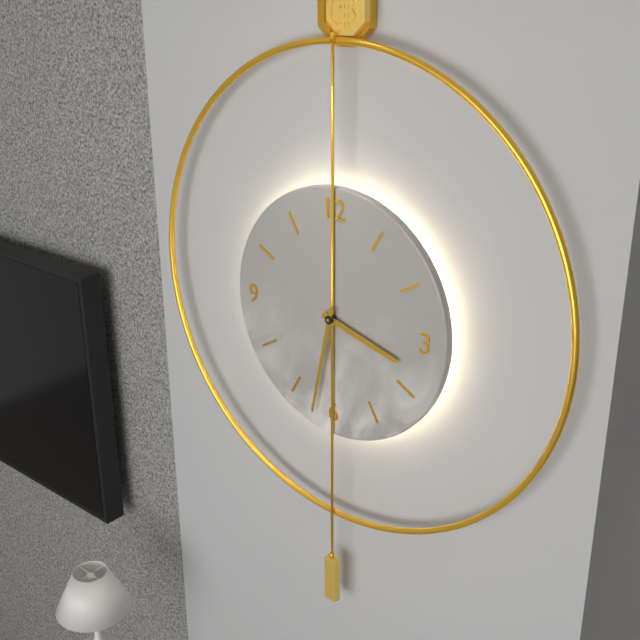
**3:32**
